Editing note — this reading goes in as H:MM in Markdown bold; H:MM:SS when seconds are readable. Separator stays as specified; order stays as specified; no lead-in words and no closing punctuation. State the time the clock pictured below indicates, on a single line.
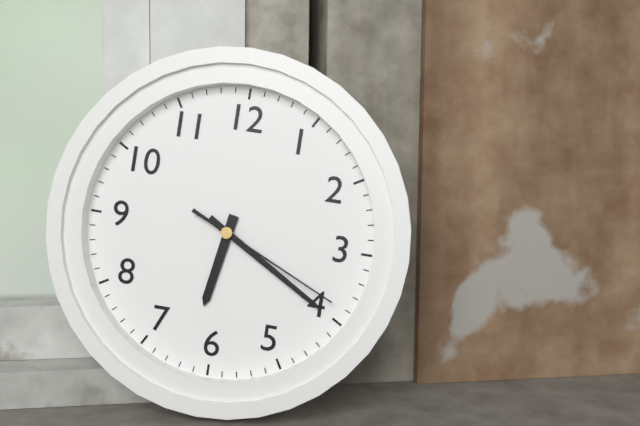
**6:20:19**
